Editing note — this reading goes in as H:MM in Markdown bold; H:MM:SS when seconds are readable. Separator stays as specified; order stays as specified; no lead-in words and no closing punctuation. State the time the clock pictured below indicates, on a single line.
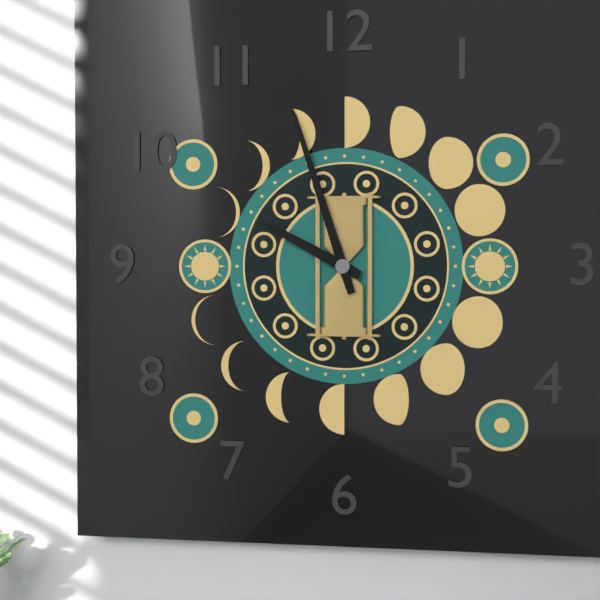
**9:57**
